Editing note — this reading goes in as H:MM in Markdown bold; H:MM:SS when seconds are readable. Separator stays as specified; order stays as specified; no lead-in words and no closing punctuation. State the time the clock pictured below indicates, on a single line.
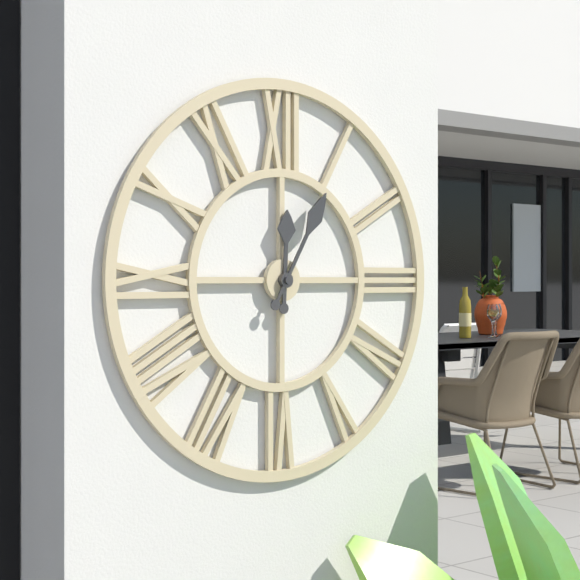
**12:05**
